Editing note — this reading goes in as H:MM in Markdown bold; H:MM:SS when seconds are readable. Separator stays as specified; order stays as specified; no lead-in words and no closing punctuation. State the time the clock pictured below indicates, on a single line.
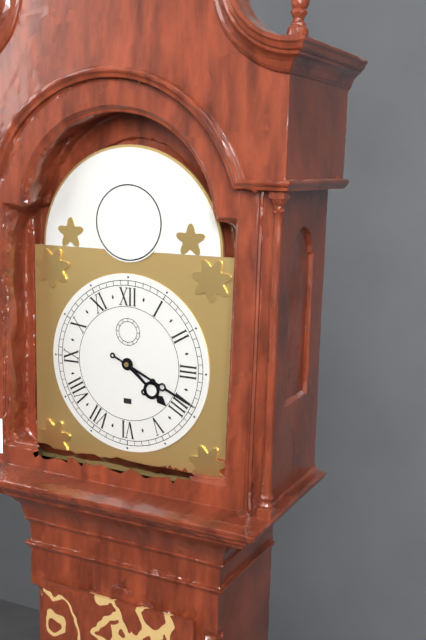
**4:19**
